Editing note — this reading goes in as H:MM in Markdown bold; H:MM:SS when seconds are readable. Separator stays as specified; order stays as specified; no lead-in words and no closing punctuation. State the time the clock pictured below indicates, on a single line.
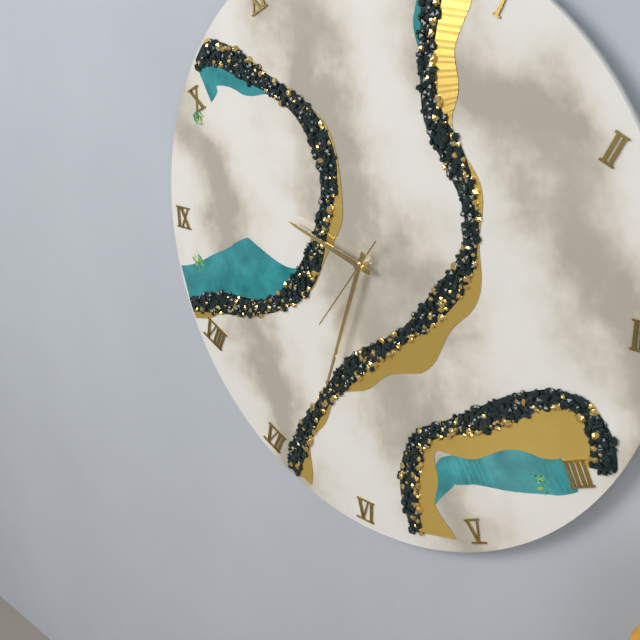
**9:33:36**
